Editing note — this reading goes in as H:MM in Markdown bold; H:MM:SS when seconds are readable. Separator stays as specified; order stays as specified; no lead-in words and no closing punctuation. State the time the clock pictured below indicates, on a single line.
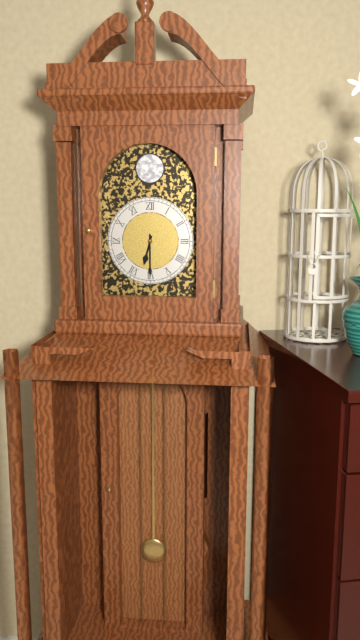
**6:30**
